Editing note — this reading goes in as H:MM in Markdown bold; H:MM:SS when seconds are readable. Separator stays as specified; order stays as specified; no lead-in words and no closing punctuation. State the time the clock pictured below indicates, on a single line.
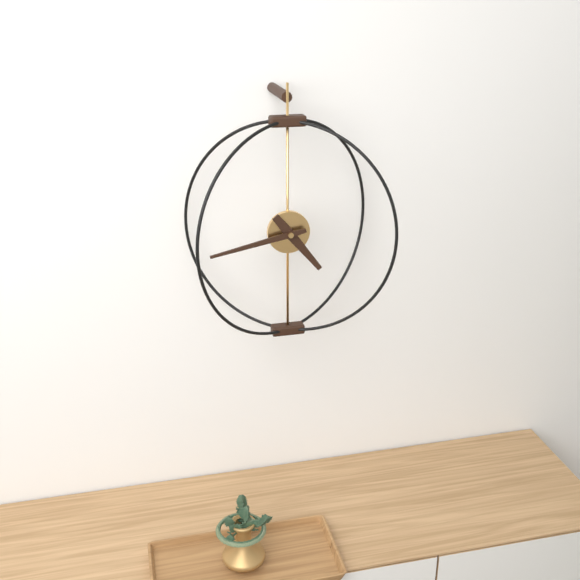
**4:43**
